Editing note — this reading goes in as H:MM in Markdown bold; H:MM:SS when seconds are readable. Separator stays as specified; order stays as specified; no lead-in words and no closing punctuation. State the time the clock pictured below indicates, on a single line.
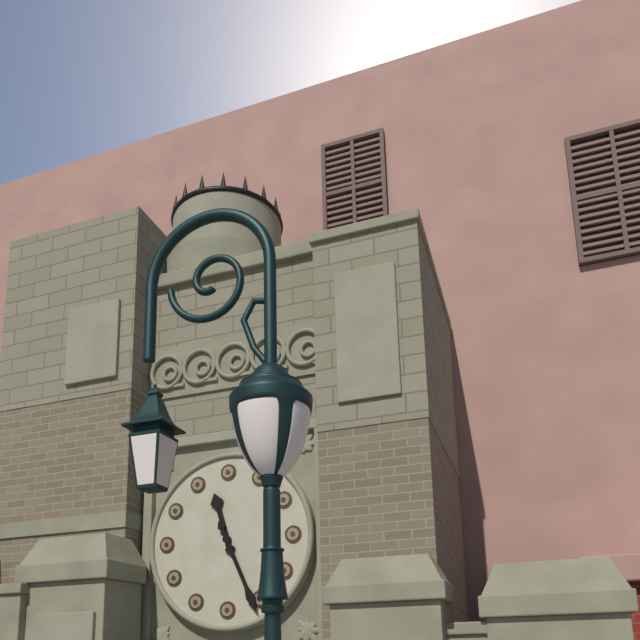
**11:26**
